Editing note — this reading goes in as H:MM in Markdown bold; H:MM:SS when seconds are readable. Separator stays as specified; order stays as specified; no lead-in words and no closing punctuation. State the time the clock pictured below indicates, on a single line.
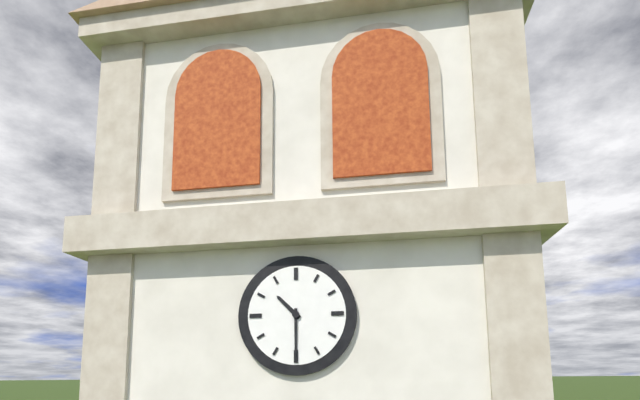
**10:30**
